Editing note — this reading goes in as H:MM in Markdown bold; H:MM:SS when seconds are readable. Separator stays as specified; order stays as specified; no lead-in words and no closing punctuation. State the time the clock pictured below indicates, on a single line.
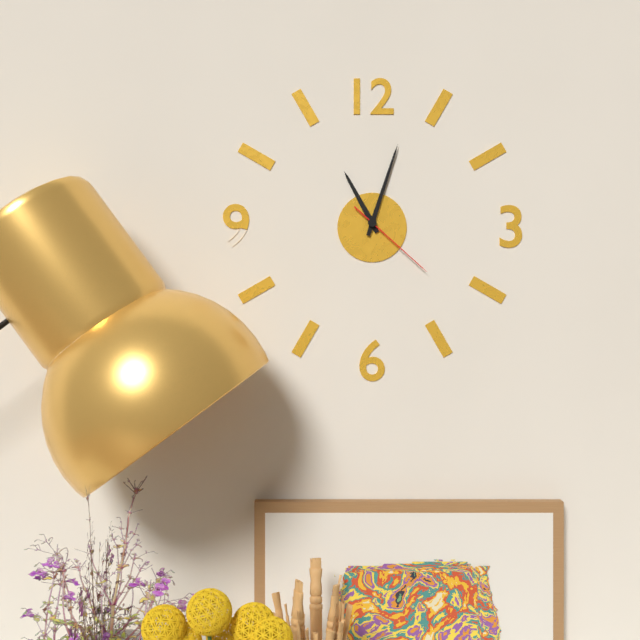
**11:03:22**
